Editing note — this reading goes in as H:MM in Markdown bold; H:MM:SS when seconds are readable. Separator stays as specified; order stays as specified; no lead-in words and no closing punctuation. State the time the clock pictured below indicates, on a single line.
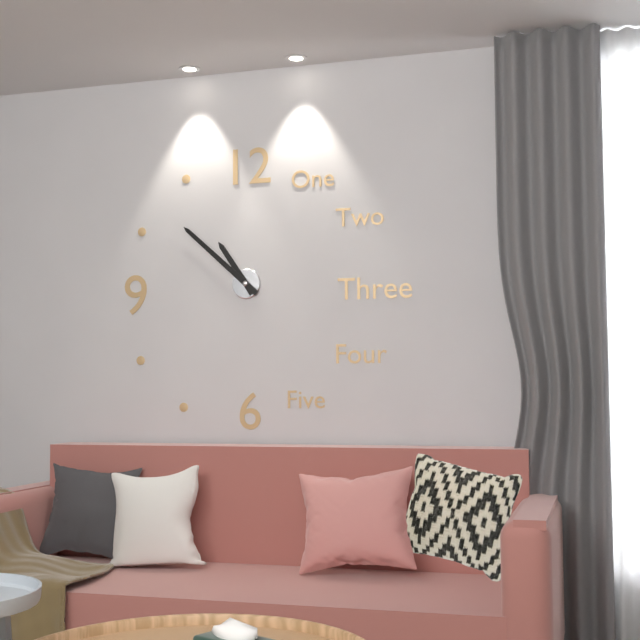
**10:52**
